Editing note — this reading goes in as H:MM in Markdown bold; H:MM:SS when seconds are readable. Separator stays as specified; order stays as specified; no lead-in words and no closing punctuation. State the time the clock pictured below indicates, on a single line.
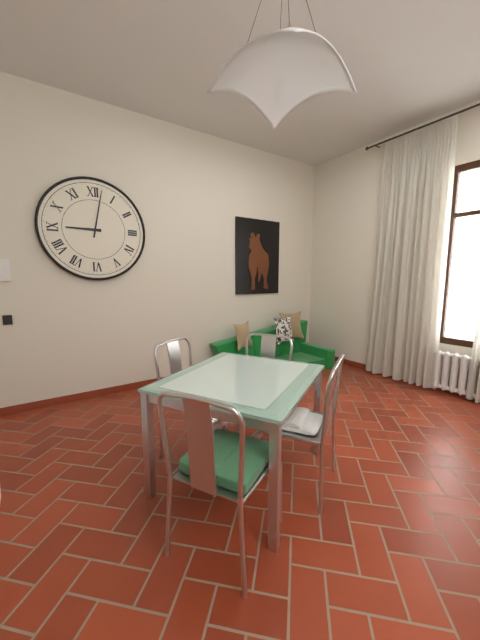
**9:02**
